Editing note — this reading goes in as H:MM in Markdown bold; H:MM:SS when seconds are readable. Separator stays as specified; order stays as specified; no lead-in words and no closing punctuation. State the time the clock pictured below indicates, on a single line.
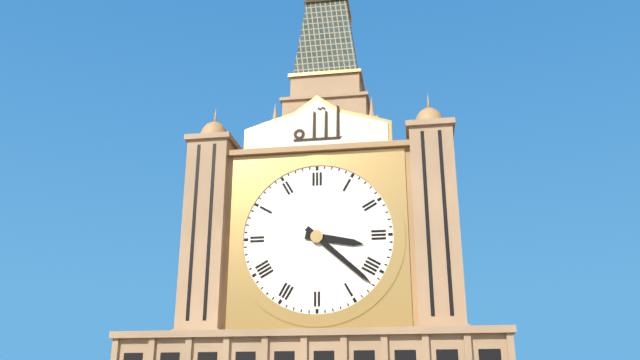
**3:22**
